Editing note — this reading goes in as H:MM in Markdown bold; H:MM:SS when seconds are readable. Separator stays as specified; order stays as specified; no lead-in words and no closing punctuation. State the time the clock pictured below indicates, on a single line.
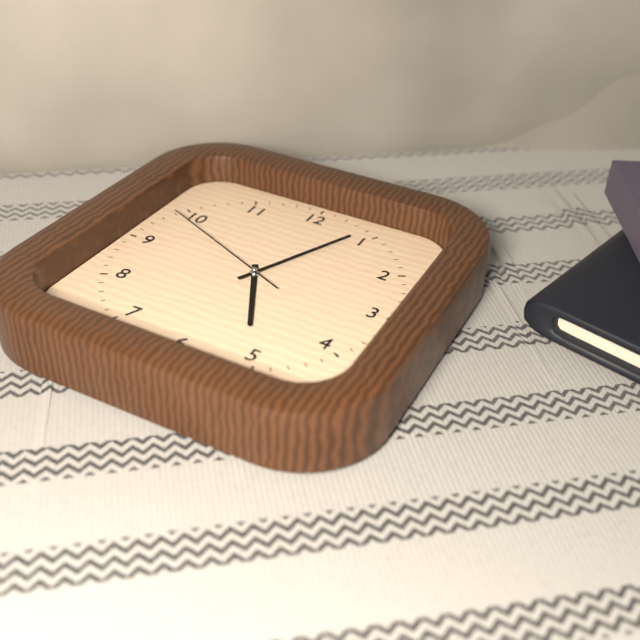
**5:04:49**
